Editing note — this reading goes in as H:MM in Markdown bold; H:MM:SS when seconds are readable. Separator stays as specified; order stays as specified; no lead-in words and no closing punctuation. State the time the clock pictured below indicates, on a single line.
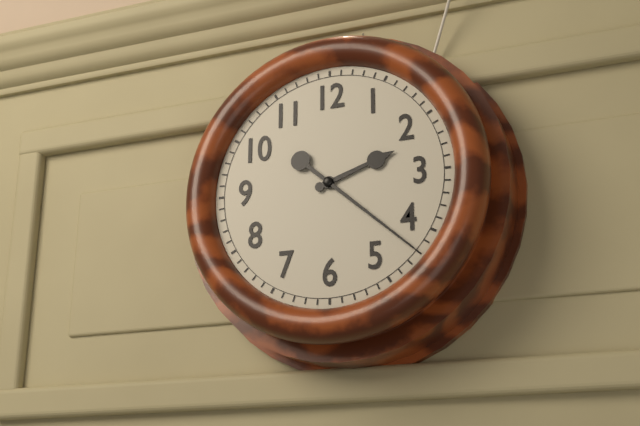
**2:22**
